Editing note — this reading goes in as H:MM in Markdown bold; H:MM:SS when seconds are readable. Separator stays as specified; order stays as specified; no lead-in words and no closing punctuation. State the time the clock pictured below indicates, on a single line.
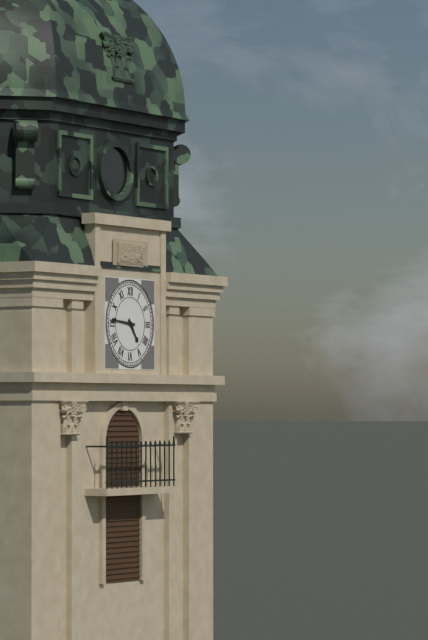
**4:46**
